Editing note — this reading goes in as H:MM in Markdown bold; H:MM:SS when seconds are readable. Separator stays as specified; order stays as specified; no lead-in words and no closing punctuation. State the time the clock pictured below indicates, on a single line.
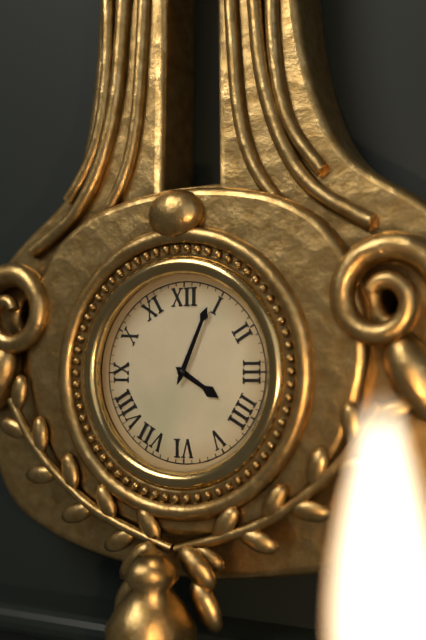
**4:04**
